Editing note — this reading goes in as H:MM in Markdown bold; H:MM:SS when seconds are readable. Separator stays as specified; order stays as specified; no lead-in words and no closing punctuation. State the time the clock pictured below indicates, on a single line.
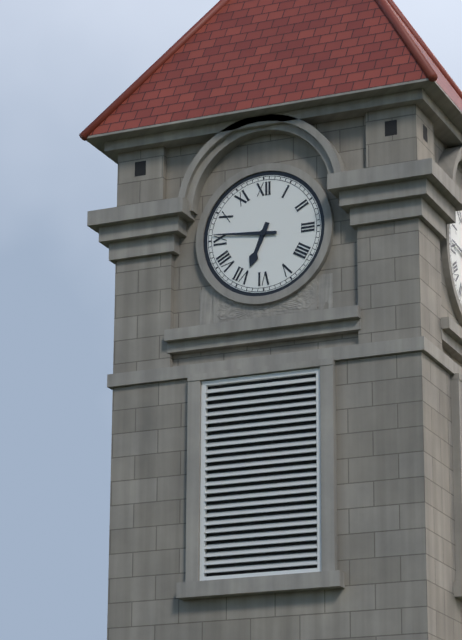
**6:46**
